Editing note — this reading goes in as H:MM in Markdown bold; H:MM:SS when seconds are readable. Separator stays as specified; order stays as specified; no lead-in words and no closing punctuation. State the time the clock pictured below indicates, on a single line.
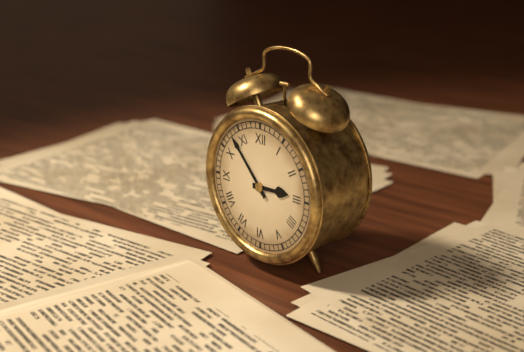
**2:53**
